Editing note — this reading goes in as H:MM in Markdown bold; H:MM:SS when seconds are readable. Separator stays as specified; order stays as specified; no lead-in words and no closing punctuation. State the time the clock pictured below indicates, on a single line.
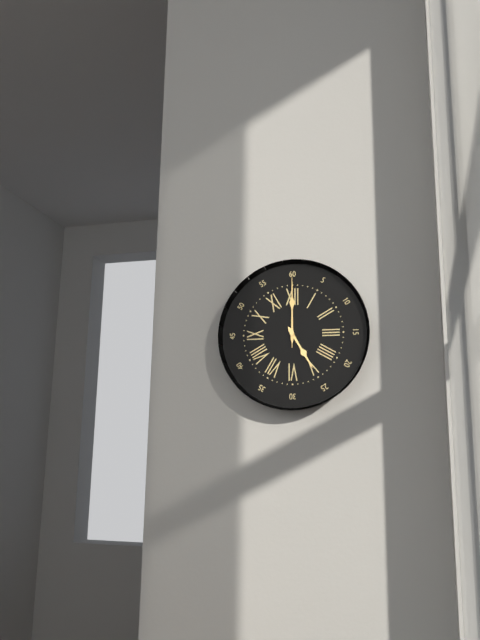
**5:00:00**
